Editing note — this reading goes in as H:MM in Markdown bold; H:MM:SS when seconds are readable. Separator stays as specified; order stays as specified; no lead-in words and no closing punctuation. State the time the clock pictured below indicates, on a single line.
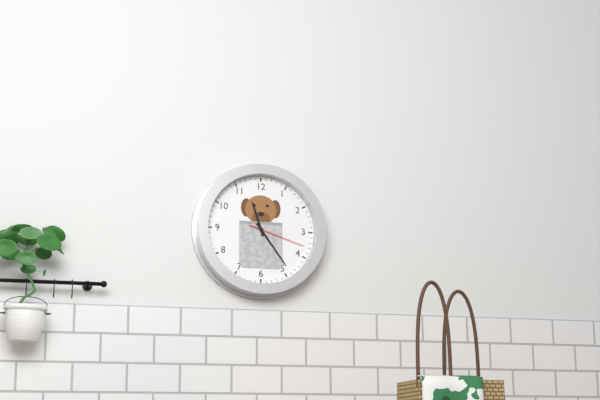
**11:24:18**
